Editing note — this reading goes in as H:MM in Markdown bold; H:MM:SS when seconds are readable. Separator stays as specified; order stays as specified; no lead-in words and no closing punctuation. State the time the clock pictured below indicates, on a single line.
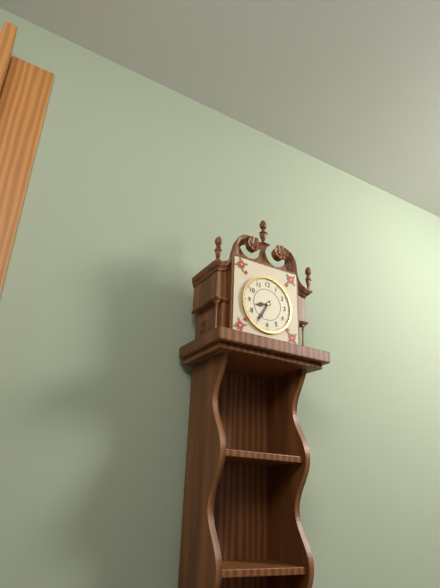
**8:35**
